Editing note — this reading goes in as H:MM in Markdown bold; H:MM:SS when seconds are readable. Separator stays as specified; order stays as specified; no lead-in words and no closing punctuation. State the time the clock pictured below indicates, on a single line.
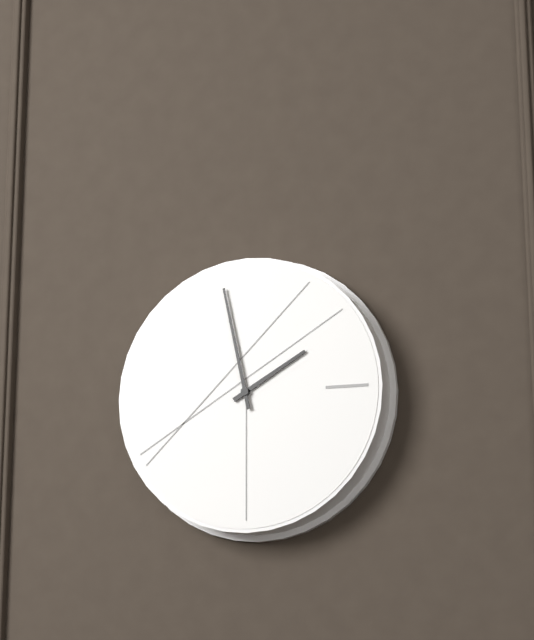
**1:58**
